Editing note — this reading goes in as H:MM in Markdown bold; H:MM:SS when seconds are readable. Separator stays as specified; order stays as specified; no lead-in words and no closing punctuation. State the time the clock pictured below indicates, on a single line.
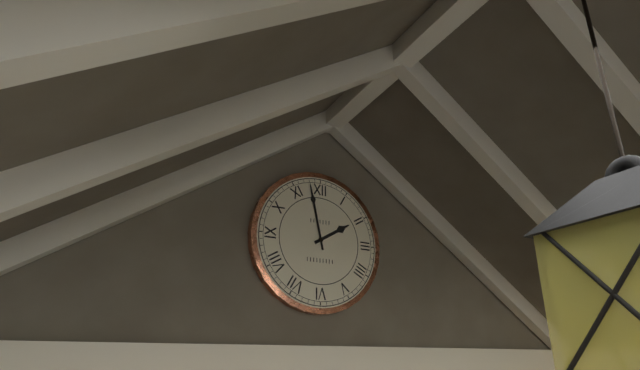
**1:58**
